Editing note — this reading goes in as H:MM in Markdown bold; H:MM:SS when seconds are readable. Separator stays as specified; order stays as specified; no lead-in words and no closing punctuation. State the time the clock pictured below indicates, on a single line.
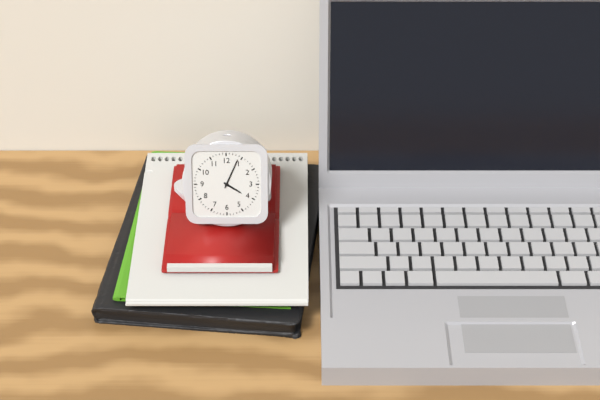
**4:04**
